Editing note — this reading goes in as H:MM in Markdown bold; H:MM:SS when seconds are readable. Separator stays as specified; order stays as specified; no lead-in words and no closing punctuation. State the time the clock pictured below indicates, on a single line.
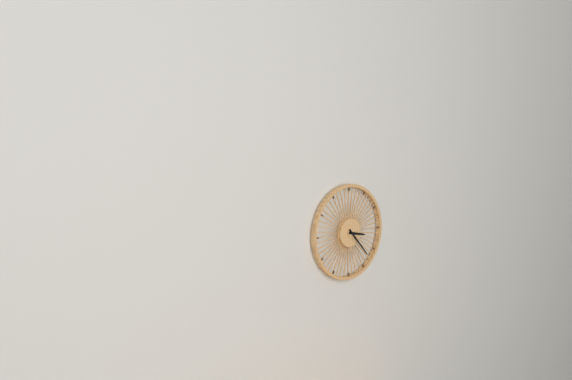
**3:23**
